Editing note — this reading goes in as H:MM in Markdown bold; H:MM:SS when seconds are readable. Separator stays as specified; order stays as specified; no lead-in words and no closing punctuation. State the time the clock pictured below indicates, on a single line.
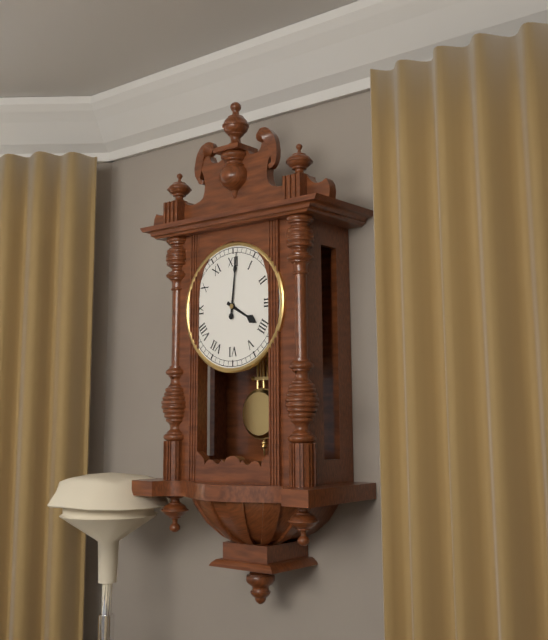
**4:01**
